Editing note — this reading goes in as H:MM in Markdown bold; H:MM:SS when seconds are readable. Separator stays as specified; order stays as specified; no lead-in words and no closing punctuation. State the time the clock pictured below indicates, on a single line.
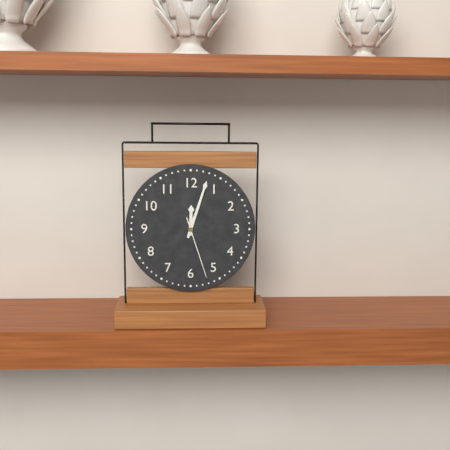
**12:03:27**
